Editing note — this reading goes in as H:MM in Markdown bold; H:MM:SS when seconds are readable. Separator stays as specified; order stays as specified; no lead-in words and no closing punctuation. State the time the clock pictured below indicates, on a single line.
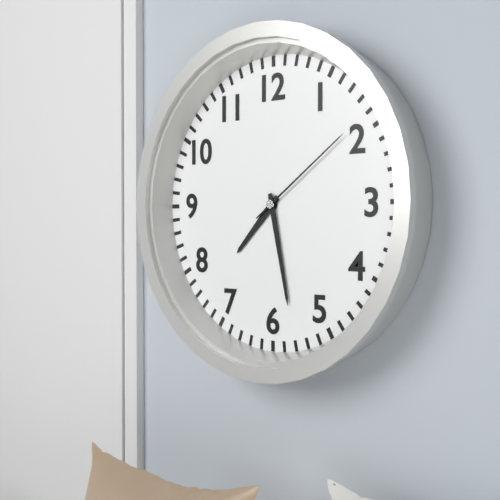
**7:28:09**
